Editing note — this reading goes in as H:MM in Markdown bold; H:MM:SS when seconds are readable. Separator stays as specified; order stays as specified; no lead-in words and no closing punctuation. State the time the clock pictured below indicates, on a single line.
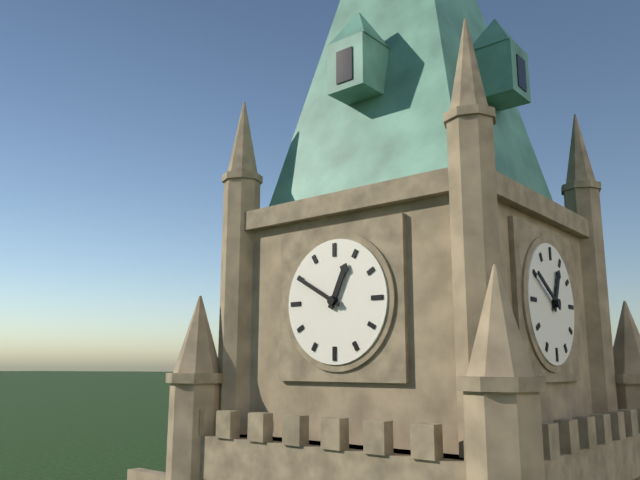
**12:50**
